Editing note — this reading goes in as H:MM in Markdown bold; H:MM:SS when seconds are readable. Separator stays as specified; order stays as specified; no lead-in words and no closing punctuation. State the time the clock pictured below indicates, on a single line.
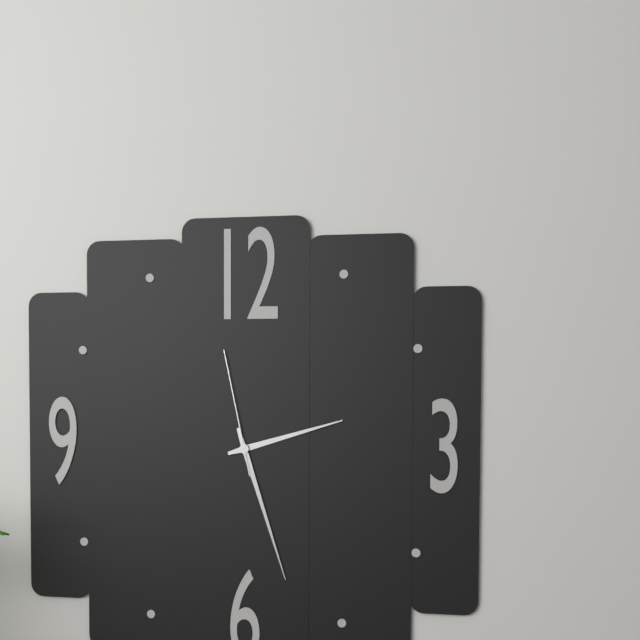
**2:27:58**
